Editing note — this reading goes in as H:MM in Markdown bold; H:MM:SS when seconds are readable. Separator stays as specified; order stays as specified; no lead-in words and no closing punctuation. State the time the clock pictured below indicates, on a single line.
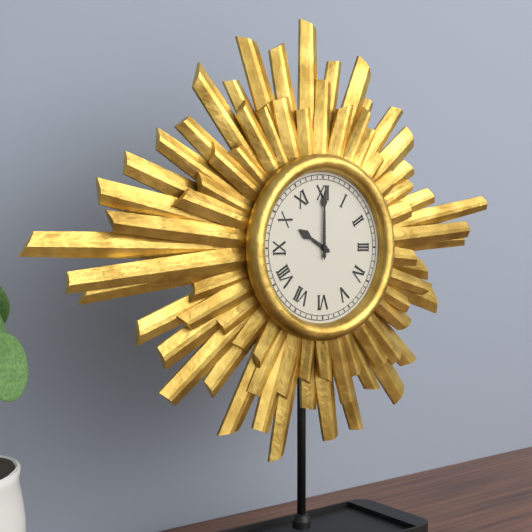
**10:00**
